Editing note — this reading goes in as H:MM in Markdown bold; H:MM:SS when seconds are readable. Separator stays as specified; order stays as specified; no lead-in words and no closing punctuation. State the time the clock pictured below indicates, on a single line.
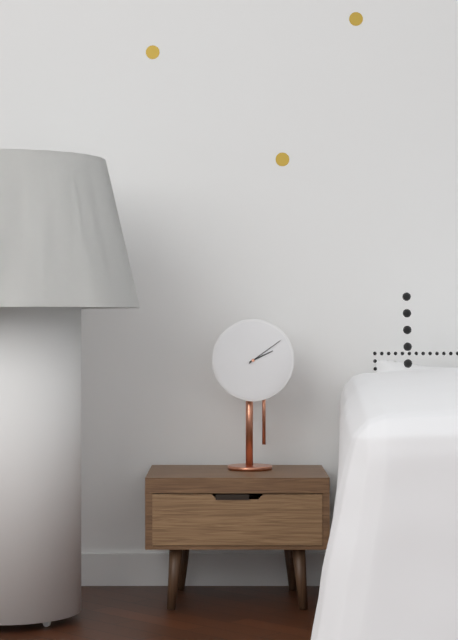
**2:09**
